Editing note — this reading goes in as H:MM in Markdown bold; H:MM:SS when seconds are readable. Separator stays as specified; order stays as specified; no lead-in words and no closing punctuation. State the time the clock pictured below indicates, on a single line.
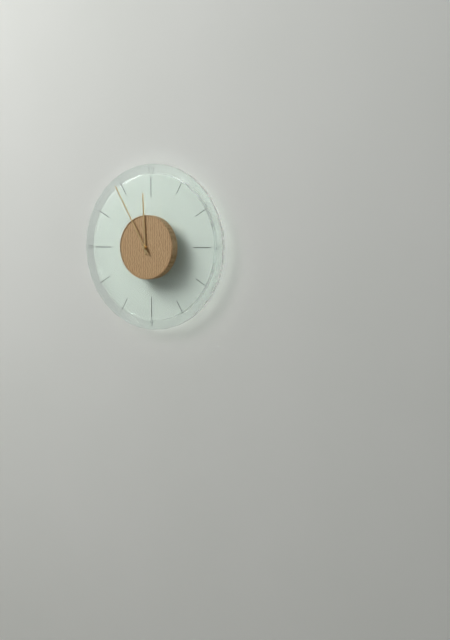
**11:55**
